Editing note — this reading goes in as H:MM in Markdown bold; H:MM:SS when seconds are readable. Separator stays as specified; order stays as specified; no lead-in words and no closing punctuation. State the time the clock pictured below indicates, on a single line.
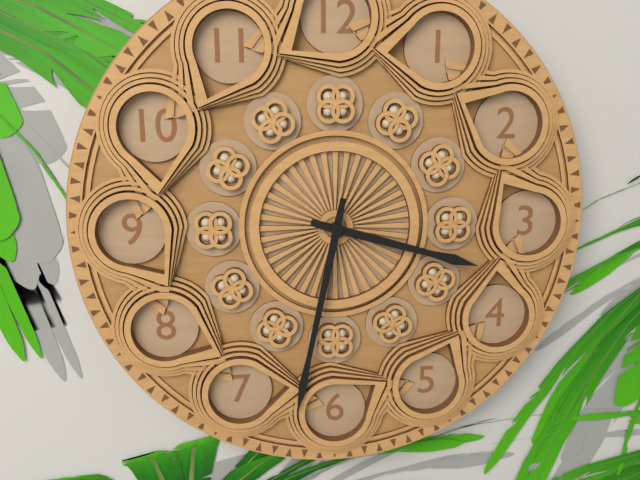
**3:32**
